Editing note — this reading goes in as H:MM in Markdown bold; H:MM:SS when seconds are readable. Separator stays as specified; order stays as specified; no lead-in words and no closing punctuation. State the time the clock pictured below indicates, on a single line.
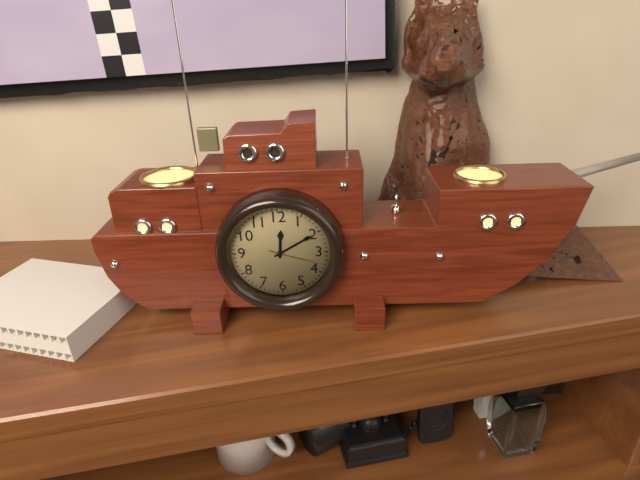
**12:10:18**
